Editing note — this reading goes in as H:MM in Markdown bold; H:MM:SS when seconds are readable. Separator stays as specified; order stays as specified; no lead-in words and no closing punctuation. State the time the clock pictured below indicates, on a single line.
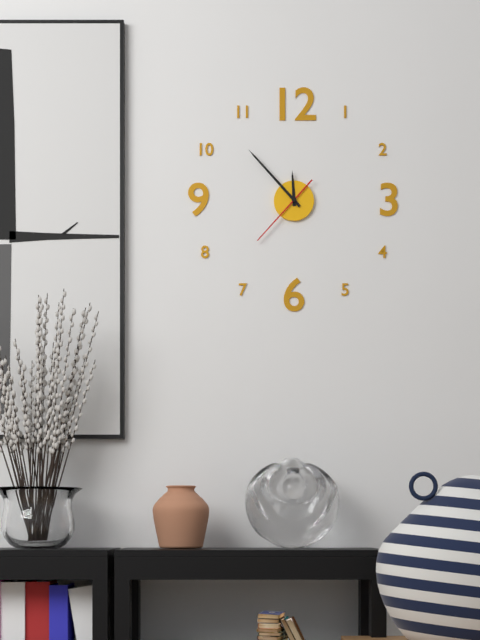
**11:53:37**
